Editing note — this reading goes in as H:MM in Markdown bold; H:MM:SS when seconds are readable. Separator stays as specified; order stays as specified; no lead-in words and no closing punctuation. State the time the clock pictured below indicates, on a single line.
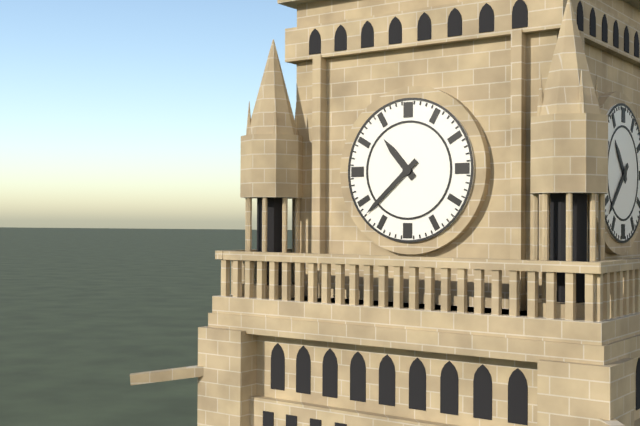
**10:38**
